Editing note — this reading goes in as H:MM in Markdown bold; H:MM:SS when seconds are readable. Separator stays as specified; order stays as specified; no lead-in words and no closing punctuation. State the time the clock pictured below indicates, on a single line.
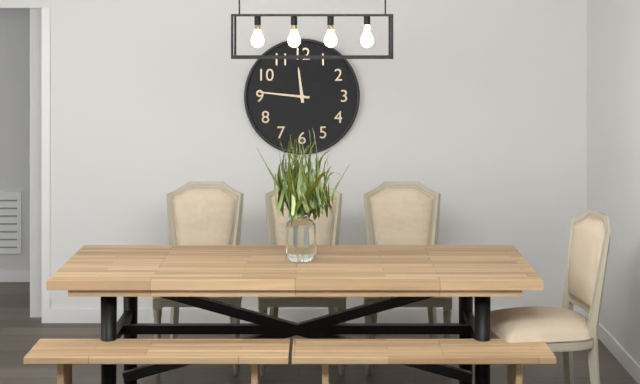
**11:46**
